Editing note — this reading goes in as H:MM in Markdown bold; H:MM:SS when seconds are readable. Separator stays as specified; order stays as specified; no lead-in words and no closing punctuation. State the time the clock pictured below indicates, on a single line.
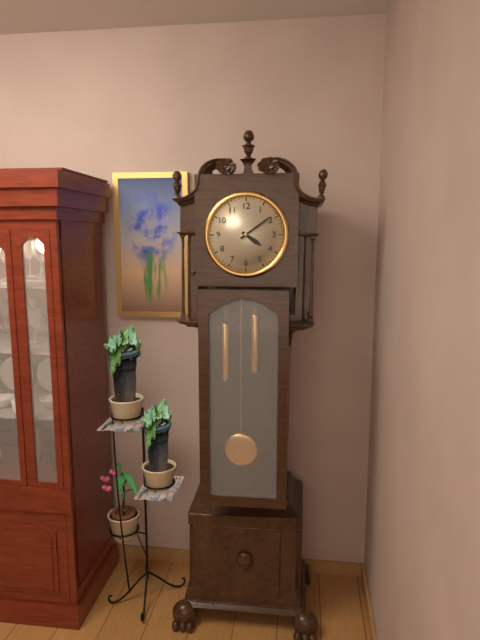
**4:09**
